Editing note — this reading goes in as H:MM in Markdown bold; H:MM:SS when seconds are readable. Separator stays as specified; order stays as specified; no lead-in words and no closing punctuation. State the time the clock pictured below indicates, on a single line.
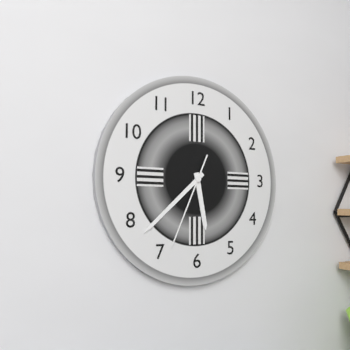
**5:38:34**
